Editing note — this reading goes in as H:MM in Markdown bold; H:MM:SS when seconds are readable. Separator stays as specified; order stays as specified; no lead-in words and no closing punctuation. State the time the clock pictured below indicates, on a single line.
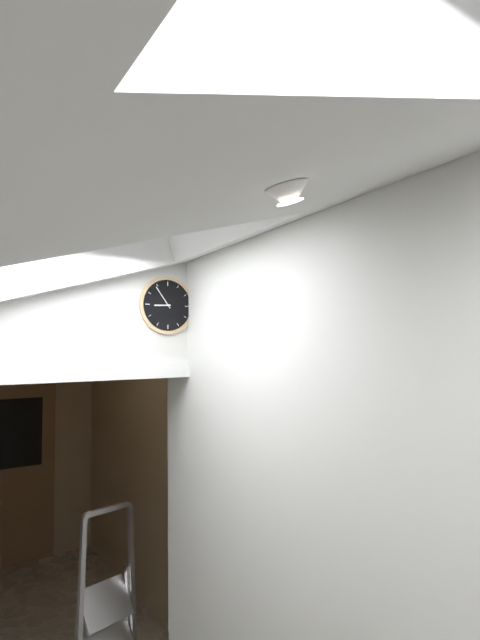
**8:54**
